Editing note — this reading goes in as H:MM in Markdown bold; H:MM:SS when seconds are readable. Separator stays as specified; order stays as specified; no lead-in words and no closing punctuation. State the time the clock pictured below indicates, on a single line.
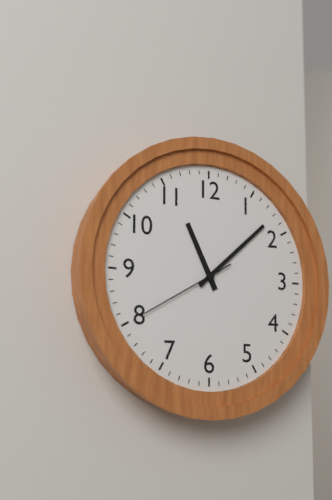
**11:08:40**
